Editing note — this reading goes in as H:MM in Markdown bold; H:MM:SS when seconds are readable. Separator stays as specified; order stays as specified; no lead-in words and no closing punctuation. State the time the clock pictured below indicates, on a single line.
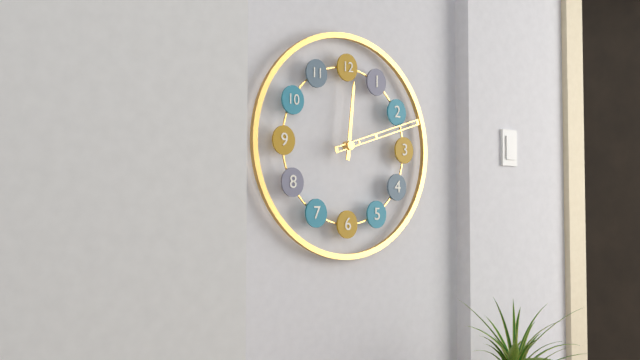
**12:12**
